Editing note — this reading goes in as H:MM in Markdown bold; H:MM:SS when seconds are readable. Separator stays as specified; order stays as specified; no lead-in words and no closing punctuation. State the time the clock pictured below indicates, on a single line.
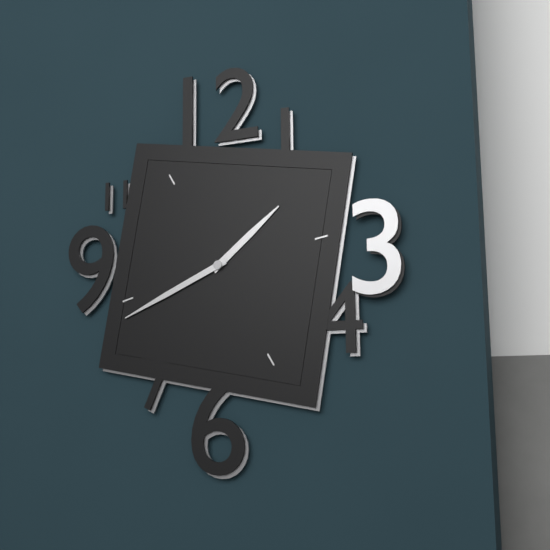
**1:41**
